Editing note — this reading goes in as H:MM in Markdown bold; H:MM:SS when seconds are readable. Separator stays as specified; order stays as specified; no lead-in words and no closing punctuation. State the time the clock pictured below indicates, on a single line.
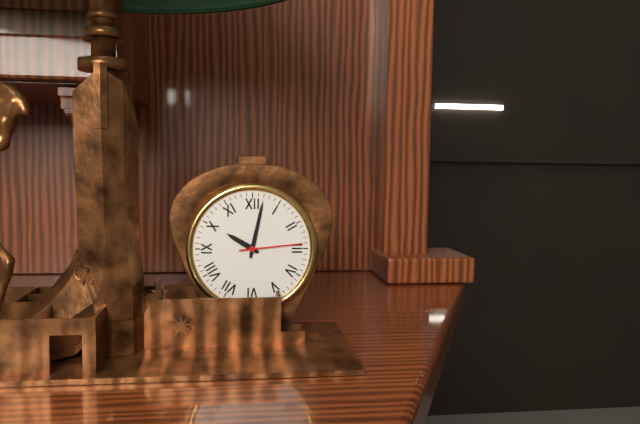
**10:02:14**
